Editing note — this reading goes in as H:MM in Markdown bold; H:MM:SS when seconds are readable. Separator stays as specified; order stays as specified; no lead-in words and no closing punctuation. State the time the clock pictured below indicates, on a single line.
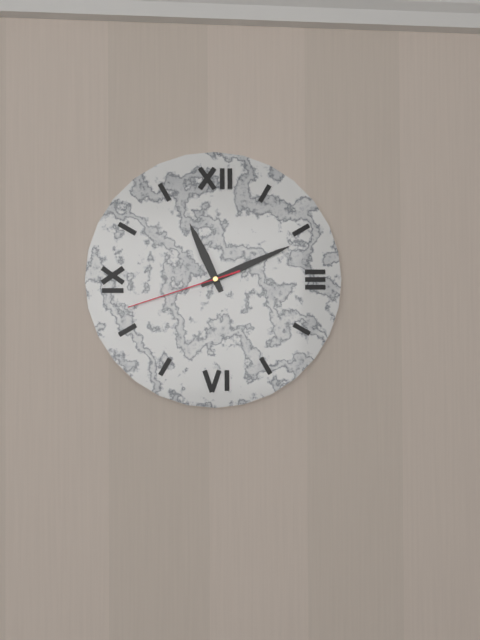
**11:11:42**
